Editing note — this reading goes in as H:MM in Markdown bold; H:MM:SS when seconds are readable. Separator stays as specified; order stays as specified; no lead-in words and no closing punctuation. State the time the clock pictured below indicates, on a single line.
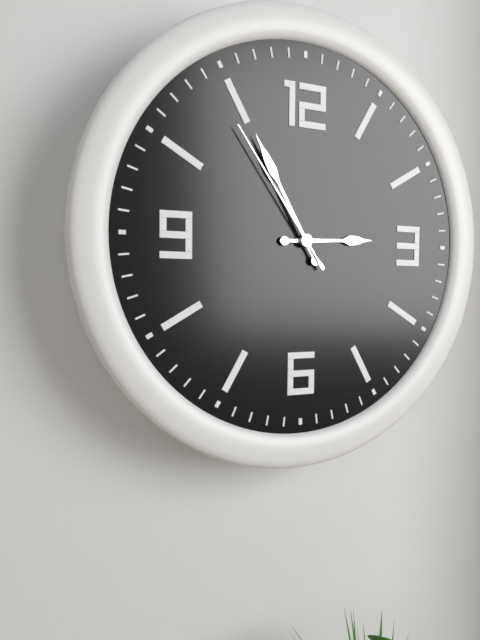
**2:55:54**
